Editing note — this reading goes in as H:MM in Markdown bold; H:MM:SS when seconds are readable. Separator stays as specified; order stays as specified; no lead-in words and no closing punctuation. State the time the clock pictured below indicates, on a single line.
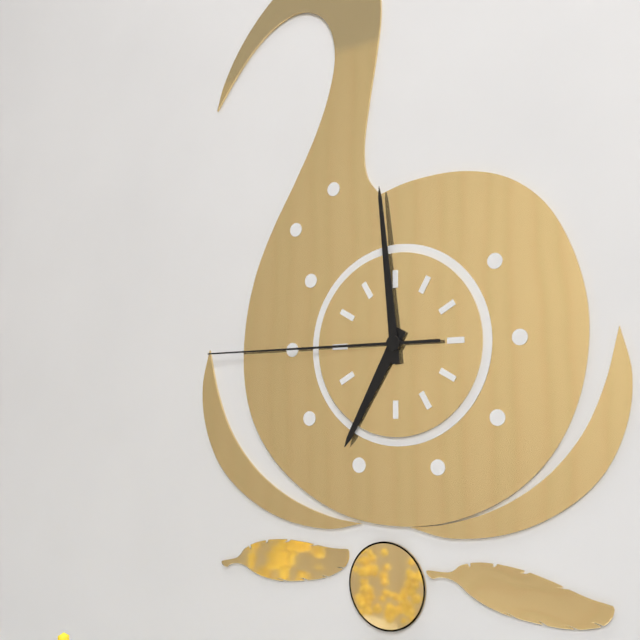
**6:59:45**
